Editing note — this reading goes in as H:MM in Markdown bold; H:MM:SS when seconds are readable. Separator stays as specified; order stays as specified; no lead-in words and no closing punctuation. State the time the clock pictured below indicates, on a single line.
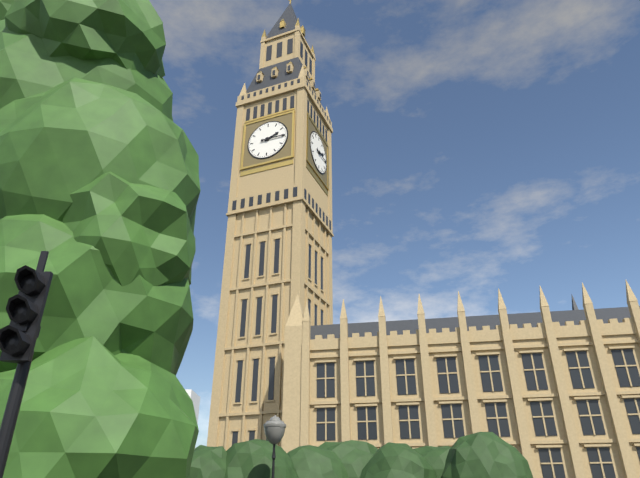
**2:15**
